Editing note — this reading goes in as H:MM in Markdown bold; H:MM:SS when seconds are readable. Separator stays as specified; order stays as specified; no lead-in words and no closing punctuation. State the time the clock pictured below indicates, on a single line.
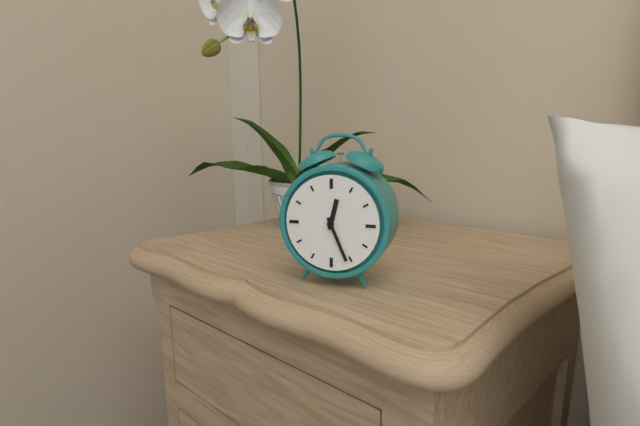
**12:26**
